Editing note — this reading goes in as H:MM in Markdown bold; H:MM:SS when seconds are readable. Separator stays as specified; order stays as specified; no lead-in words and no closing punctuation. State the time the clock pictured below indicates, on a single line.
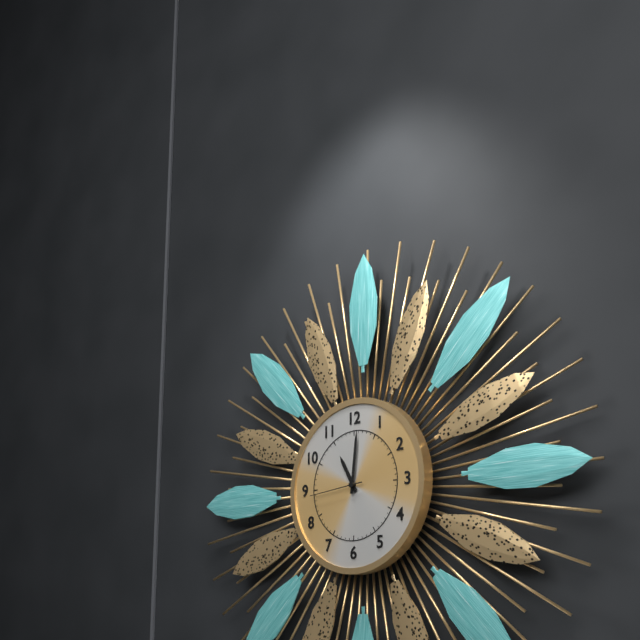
**11:01:44**
